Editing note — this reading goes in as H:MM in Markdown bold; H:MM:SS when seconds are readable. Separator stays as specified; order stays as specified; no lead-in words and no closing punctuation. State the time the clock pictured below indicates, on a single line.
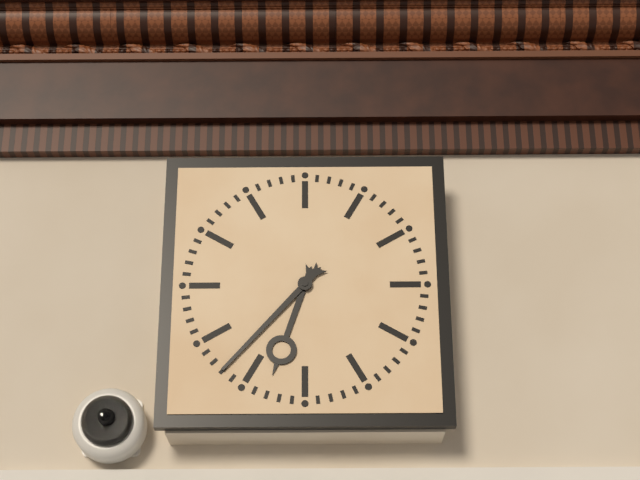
**6:37**
